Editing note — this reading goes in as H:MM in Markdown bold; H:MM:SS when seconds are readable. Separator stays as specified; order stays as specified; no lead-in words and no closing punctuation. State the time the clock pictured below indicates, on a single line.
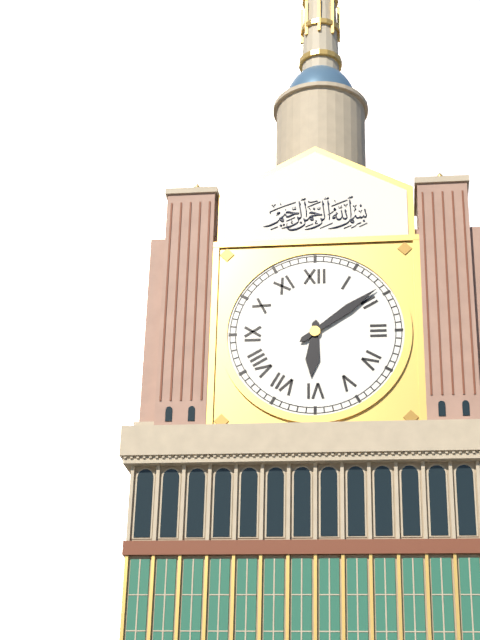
**6:09**
